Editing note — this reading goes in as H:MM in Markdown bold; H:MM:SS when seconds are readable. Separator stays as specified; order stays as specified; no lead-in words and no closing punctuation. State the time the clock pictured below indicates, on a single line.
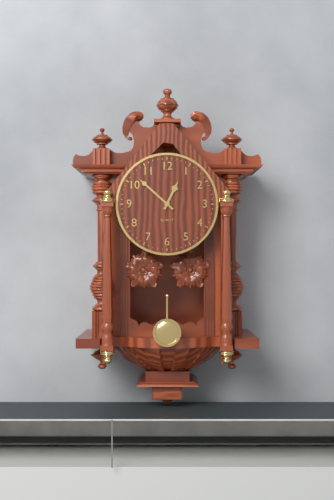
**12:52**
